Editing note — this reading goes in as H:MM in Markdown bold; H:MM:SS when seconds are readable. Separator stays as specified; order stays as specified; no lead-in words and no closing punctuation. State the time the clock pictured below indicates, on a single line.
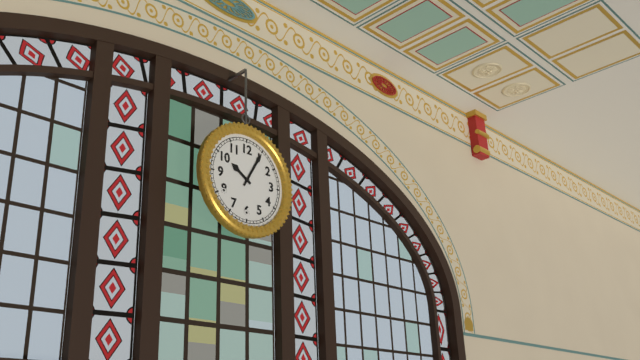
**10:05**
